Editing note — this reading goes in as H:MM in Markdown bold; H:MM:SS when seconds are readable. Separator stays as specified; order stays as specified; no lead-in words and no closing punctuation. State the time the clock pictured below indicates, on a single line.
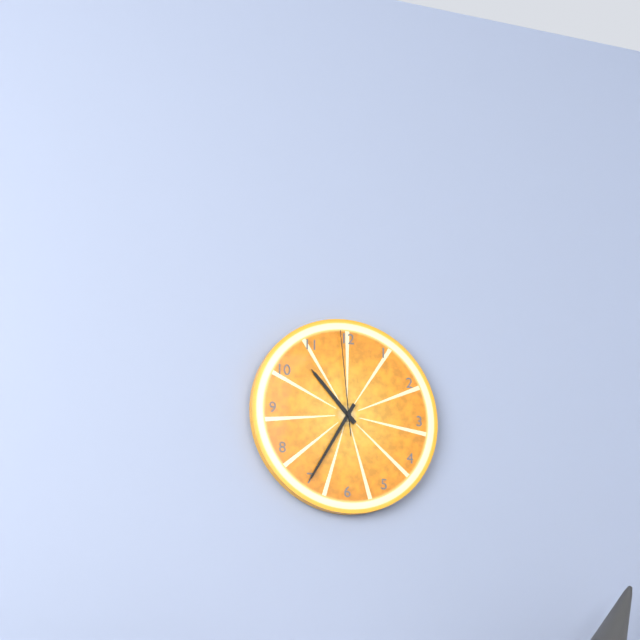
**10:35:59**
